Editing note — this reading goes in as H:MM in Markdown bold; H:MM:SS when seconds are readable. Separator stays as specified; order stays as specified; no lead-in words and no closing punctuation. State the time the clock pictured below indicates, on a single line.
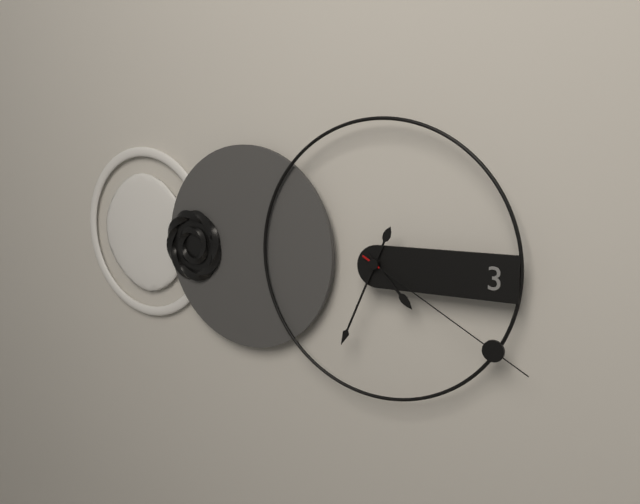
**4:34:20**
